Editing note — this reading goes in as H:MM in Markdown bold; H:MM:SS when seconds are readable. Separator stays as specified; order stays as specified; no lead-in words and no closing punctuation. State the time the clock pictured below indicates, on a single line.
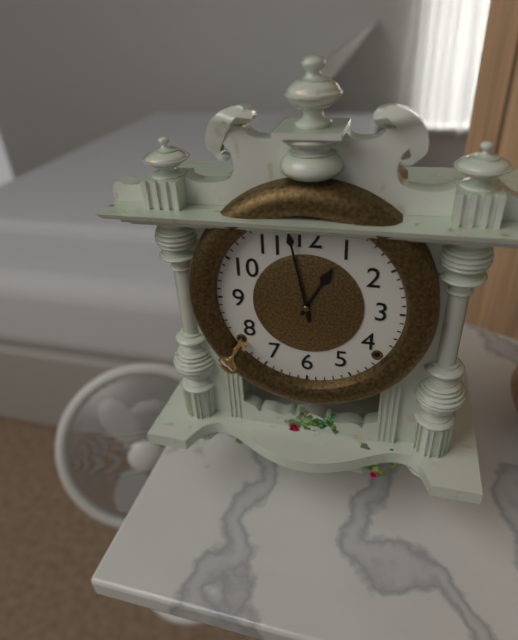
**12:58**
